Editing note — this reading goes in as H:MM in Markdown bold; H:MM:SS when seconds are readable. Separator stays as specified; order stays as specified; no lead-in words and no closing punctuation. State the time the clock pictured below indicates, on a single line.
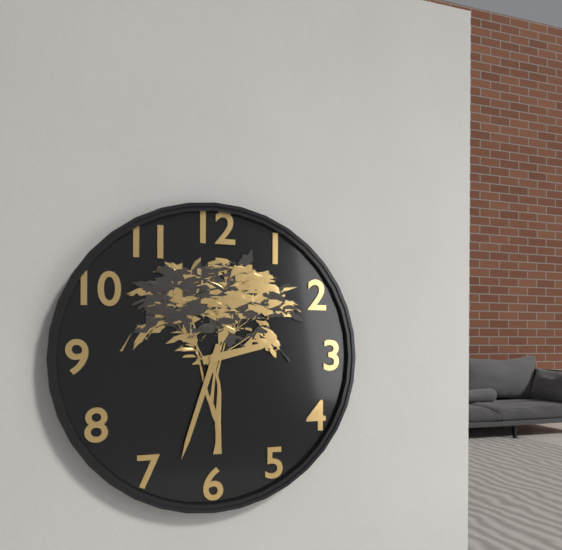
**2:33**
